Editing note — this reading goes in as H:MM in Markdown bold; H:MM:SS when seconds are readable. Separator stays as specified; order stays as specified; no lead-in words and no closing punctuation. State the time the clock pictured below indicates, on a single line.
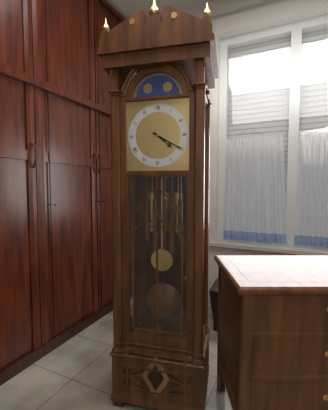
**4:20**
